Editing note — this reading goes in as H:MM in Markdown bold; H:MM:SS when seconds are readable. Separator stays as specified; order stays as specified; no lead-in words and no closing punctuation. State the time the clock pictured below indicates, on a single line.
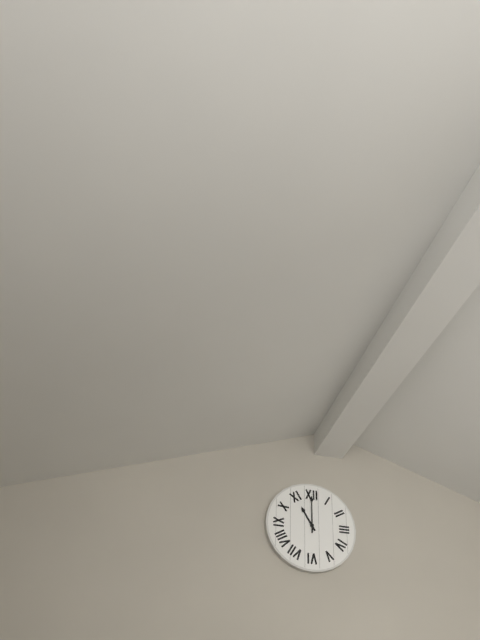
**11:00**
